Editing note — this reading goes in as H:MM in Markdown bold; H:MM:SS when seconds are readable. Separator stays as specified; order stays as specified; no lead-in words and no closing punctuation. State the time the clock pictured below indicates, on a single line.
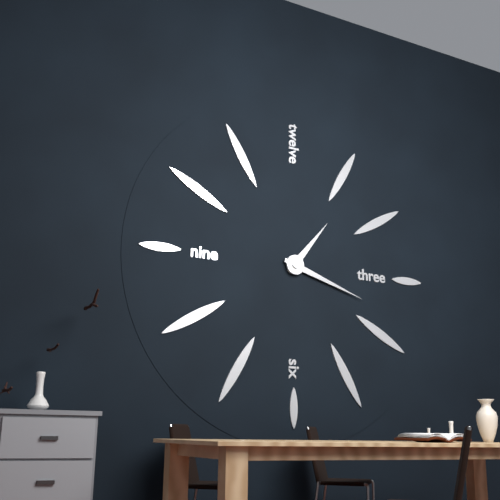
**1:18**
